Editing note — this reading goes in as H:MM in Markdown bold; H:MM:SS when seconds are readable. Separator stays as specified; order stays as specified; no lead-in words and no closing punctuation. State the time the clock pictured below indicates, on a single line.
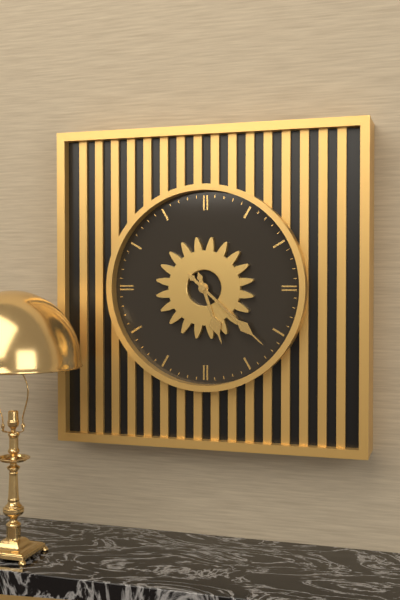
**5:22**
